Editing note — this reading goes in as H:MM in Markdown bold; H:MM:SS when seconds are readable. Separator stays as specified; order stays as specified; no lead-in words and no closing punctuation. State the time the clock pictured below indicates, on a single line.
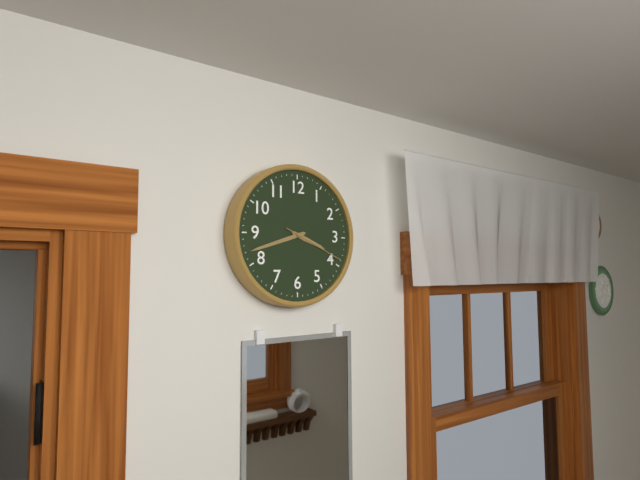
**3:42:19**
